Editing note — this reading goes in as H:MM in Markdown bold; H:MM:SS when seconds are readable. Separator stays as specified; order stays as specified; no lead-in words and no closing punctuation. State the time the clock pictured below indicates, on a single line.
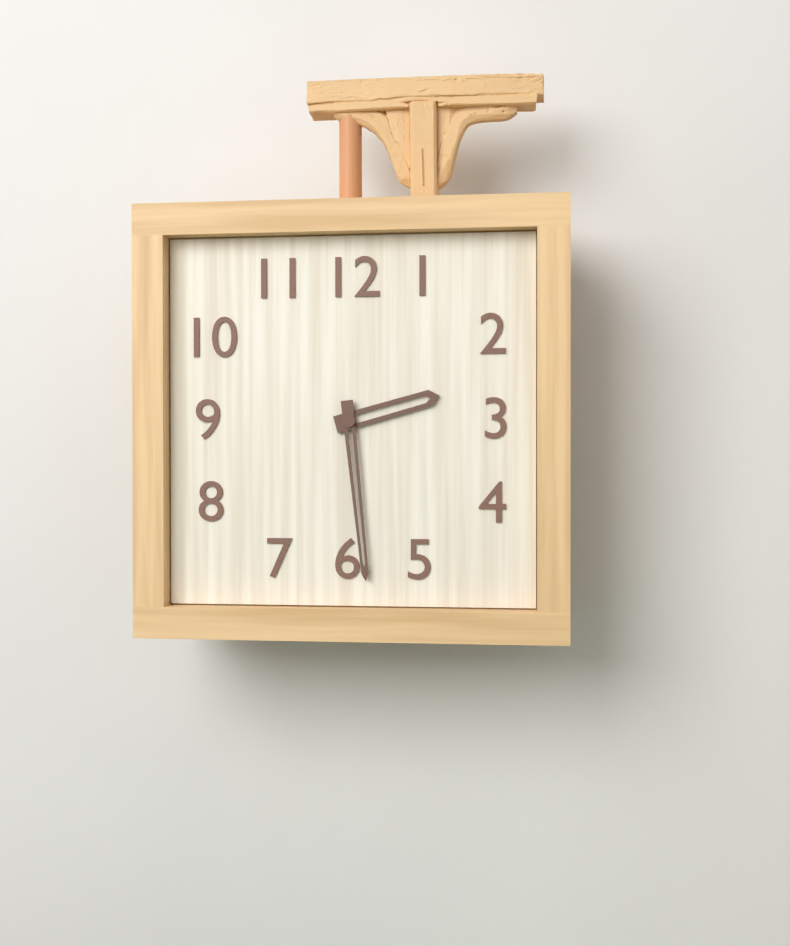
**2:29**
